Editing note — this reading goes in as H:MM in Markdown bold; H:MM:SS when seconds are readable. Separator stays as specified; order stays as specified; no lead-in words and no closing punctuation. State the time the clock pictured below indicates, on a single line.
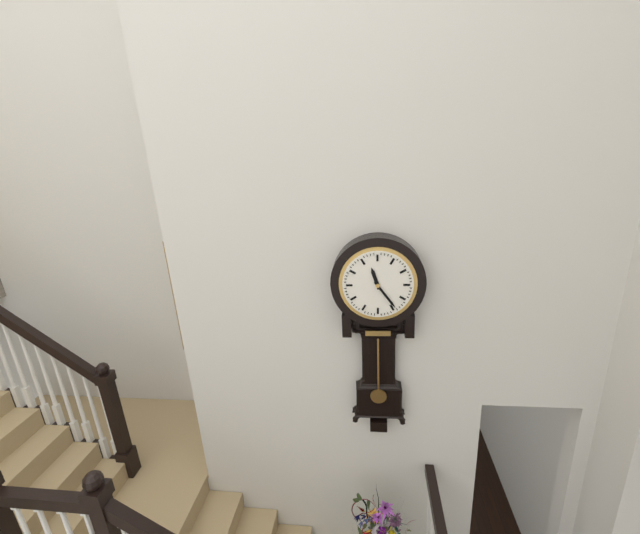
**11:24**
